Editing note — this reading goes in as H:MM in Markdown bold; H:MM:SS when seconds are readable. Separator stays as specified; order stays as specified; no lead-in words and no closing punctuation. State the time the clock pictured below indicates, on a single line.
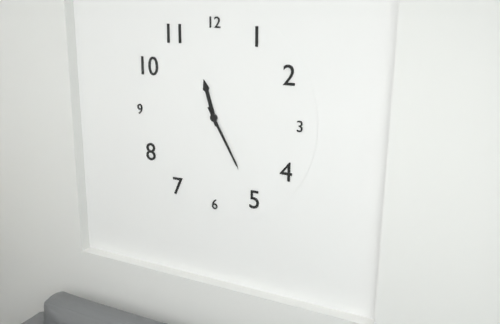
**11:25**
